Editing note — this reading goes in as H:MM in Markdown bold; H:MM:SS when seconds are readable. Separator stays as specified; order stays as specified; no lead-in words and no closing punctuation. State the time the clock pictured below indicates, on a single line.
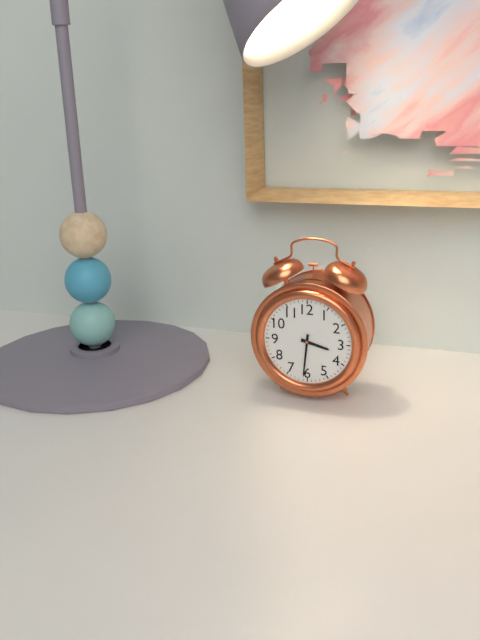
**3:31**
